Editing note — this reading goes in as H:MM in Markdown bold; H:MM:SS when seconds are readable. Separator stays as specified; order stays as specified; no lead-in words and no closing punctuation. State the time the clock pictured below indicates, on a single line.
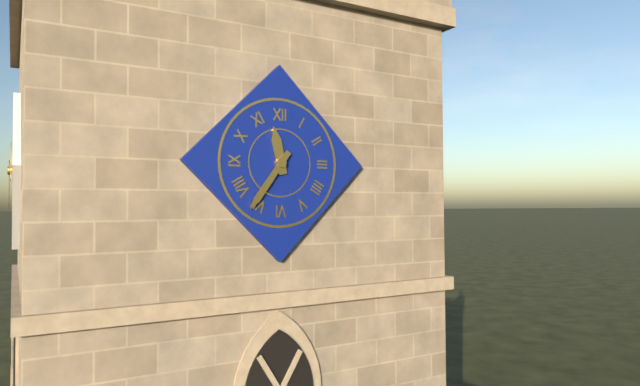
**11:36**
